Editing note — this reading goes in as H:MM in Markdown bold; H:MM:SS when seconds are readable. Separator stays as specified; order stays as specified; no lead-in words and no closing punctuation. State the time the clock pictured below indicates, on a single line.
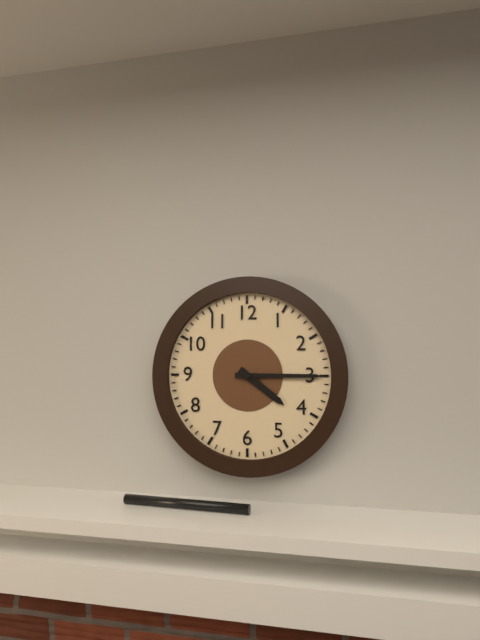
**4:15**
